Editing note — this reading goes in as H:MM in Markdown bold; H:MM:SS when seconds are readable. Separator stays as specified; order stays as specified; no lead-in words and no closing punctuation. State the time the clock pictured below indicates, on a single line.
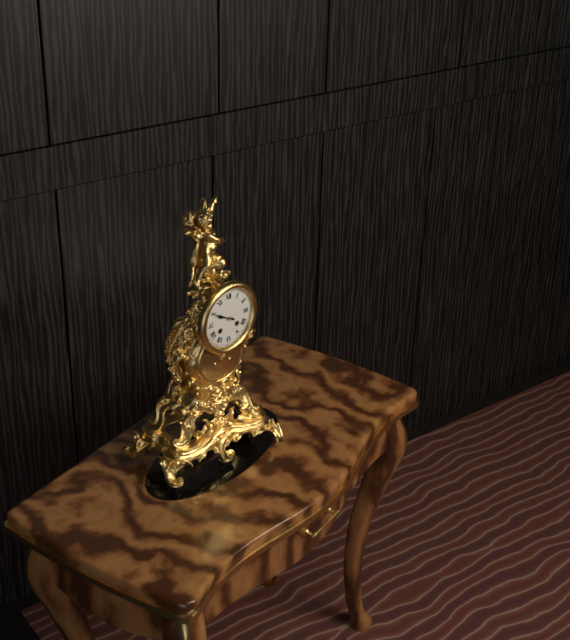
**9:50**
